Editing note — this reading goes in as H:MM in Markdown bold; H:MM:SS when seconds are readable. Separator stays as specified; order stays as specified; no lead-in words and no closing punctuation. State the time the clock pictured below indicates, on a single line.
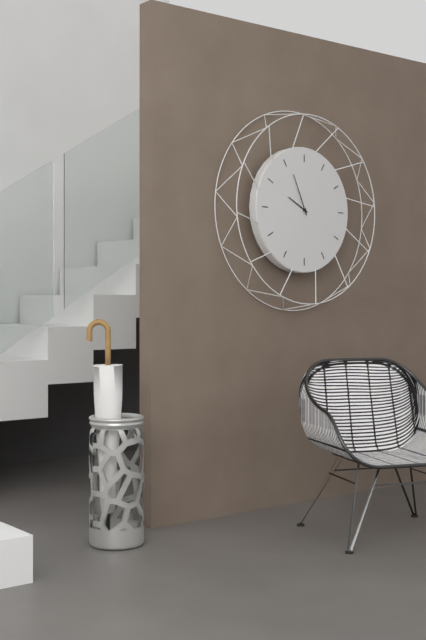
**9:56**
